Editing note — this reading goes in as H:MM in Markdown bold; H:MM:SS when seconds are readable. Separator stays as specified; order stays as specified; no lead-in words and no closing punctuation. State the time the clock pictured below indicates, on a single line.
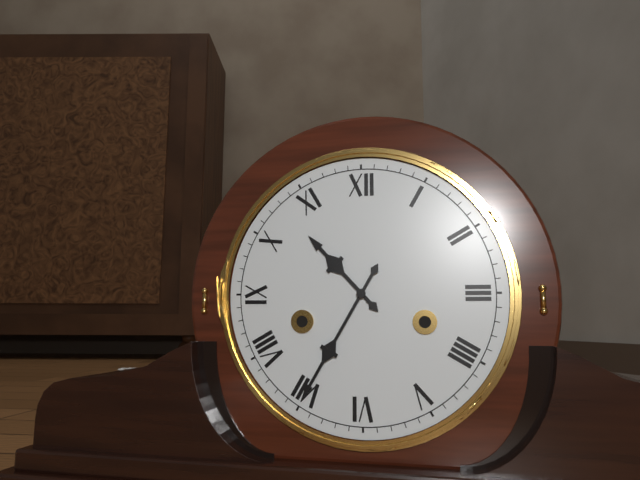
**10:35**
